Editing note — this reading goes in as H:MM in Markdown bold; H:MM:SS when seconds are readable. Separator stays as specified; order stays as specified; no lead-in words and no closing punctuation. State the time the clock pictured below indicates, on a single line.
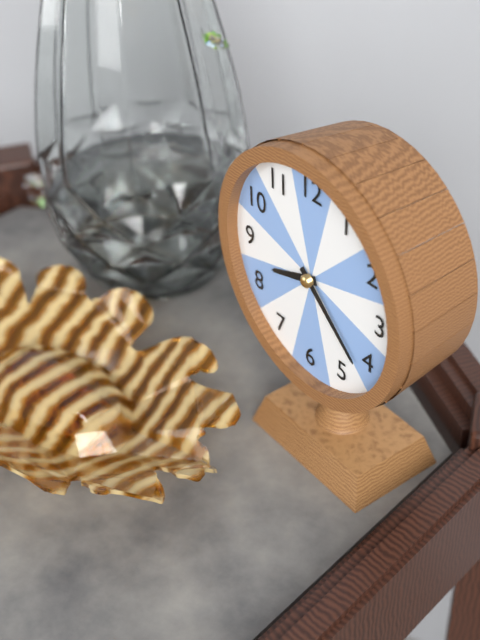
**8:22**
